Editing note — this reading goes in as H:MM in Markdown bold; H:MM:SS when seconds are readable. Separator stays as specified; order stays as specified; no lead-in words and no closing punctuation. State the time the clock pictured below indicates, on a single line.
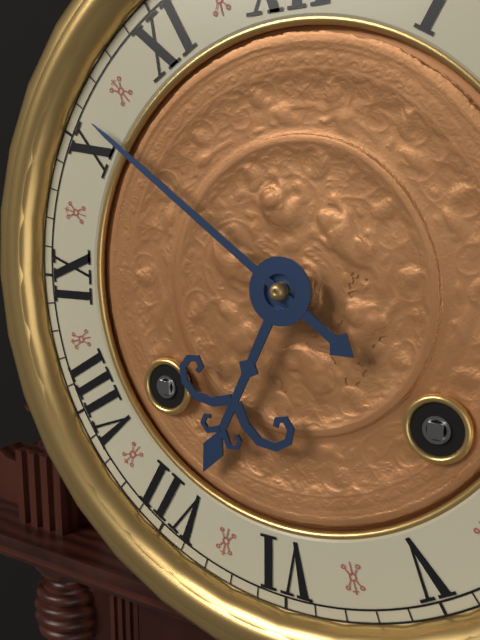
**6:51**
